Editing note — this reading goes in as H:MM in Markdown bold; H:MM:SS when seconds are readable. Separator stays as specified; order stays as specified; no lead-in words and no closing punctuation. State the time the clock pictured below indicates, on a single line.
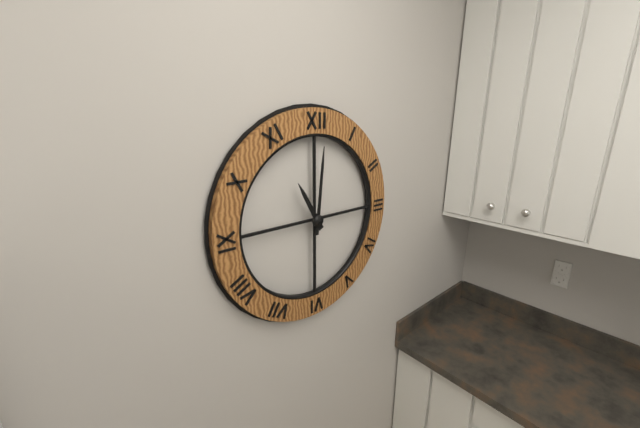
**11:01**
